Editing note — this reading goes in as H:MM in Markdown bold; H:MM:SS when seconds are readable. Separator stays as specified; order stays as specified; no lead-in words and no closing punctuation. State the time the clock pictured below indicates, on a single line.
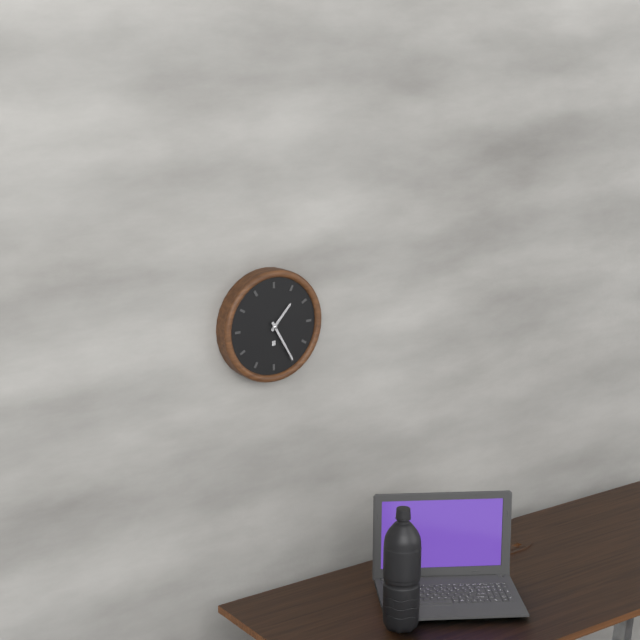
**1:25**
